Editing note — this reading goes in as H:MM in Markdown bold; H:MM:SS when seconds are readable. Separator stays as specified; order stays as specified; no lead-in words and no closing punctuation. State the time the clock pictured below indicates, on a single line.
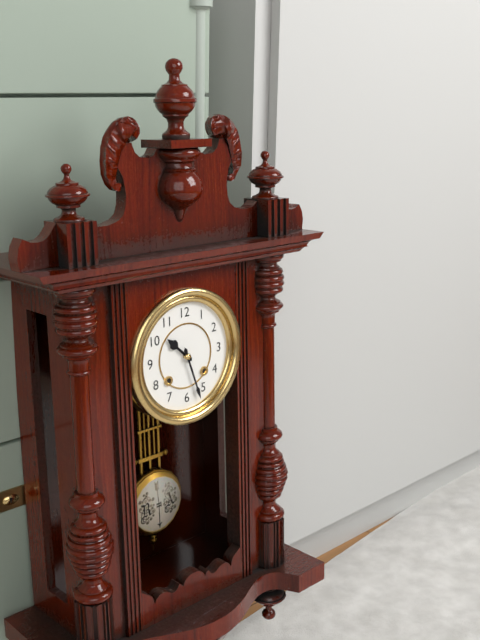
**10:27**
